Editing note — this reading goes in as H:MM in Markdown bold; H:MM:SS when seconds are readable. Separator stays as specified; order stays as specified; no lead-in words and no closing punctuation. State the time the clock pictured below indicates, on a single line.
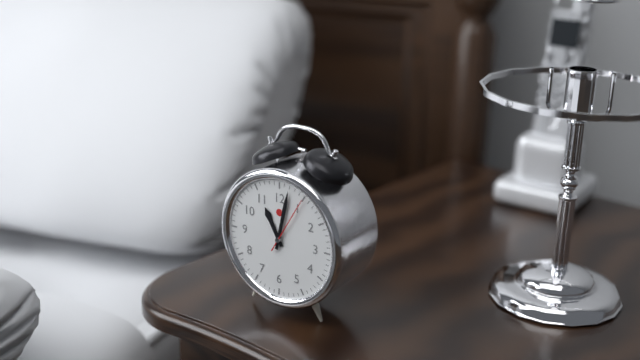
**11:02:05**
